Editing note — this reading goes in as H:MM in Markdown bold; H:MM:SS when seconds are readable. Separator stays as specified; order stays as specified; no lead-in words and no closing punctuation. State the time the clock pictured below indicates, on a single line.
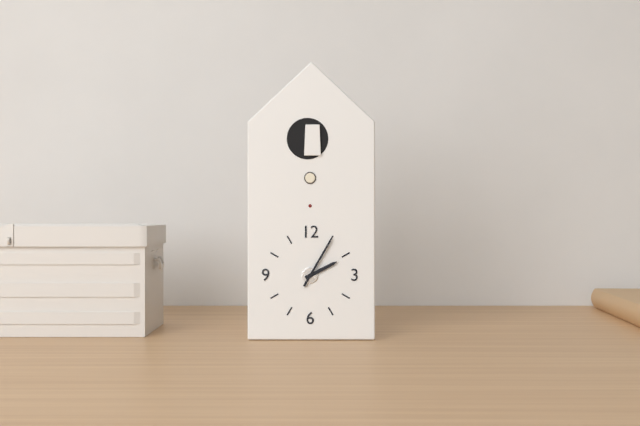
**2:05**
